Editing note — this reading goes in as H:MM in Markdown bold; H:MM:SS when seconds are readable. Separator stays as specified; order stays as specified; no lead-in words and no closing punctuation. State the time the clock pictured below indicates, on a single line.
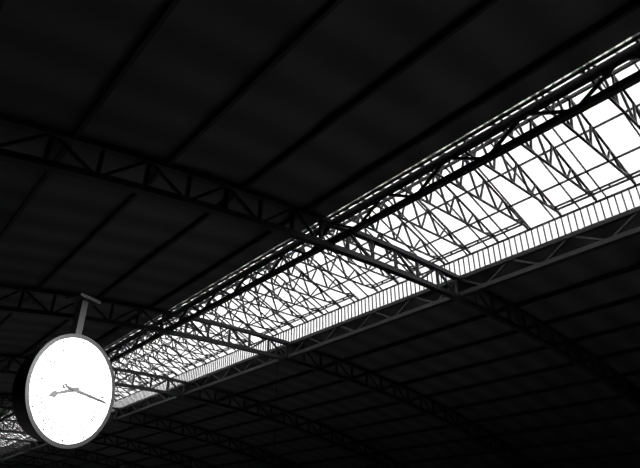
**8:16**
